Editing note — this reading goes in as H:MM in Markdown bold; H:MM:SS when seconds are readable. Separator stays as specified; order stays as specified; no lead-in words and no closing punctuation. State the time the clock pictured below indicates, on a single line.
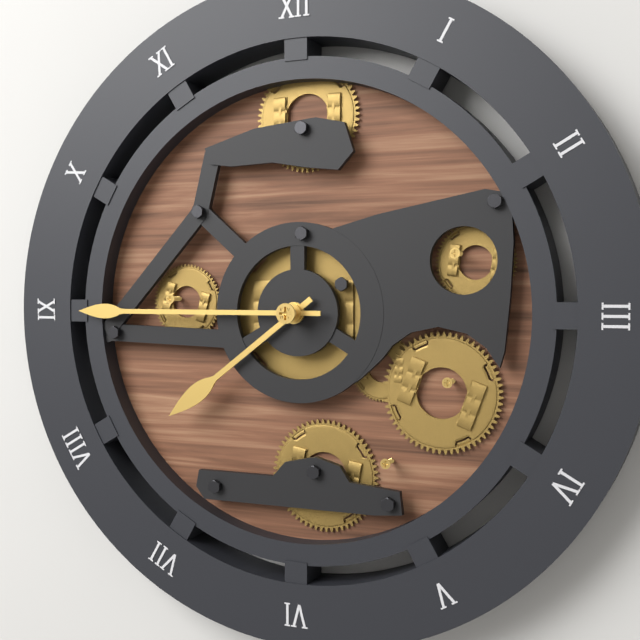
**7:45**
